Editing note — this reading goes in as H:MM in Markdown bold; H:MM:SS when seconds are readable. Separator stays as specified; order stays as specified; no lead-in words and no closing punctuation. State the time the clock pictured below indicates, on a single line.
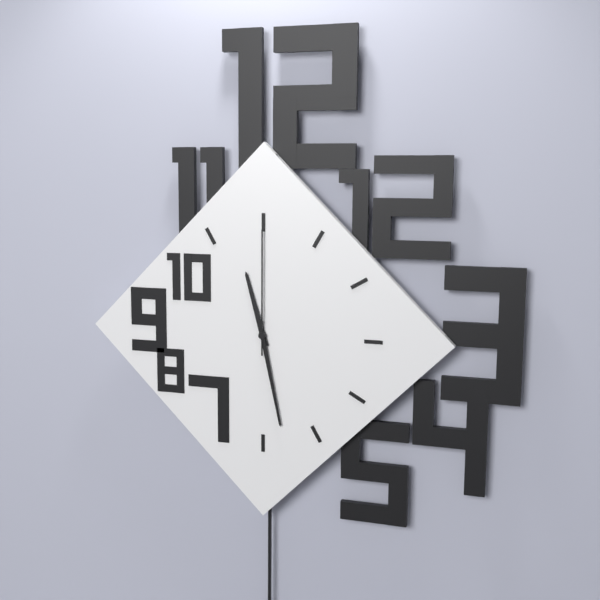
**11:28:00**
